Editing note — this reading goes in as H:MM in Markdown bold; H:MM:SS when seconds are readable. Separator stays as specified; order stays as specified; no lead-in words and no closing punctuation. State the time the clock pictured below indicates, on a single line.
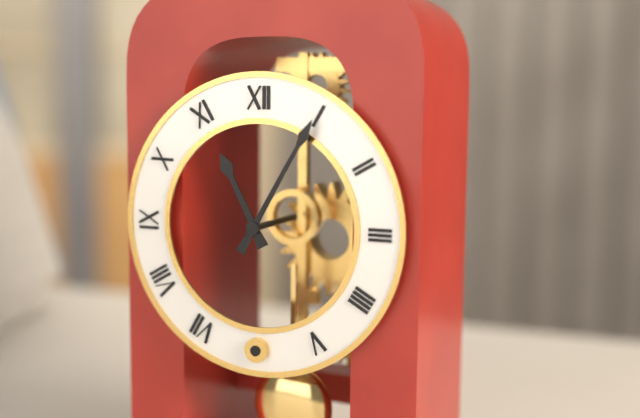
**11:05**
